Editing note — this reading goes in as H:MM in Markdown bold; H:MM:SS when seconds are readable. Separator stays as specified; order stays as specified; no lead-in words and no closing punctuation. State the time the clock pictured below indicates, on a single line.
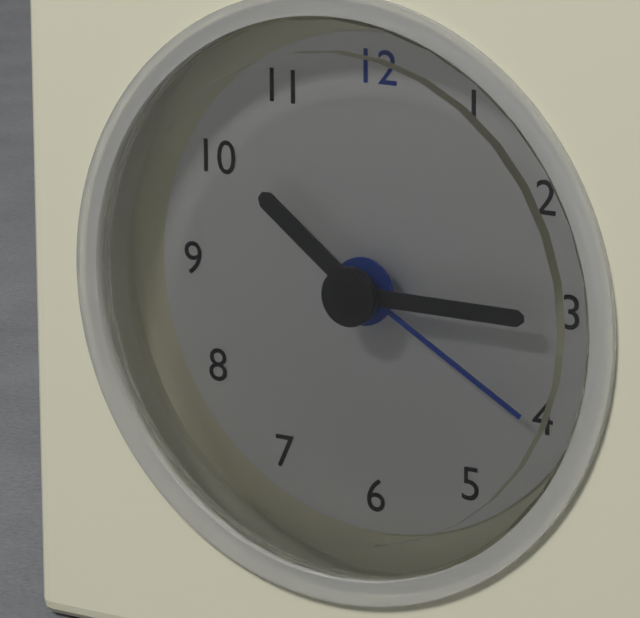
**10:15:20**
